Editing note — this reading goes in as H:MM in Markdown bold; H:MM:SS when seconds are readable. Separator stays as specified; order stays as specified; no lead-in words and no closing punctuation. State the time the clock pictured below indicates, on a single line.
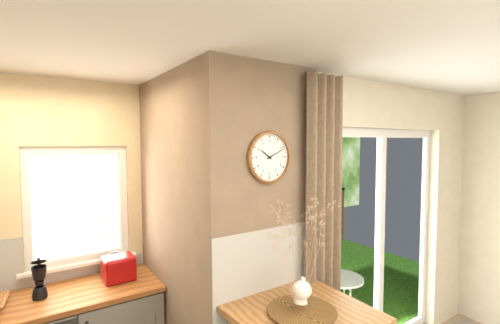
**10:11**
